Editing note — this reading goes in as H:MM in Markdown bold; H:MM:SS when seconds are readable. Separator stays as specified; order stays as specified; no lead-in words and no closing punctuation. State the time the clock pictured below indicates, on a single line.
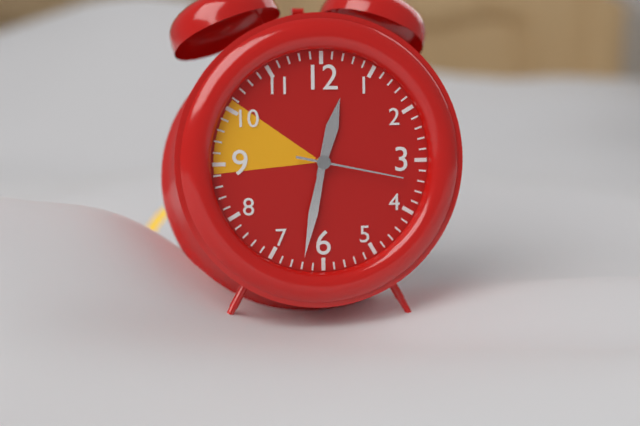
**12:32:17**
